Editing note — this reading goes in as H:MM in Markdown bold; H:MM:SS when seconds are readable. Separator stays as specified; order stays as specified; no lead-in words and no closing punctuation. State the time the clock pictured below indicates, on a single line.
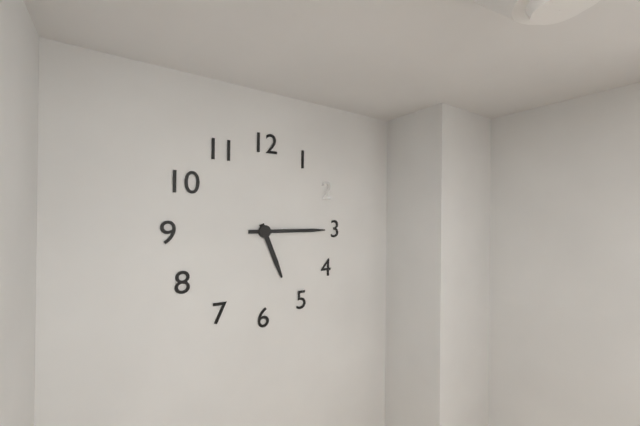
**5:15**
